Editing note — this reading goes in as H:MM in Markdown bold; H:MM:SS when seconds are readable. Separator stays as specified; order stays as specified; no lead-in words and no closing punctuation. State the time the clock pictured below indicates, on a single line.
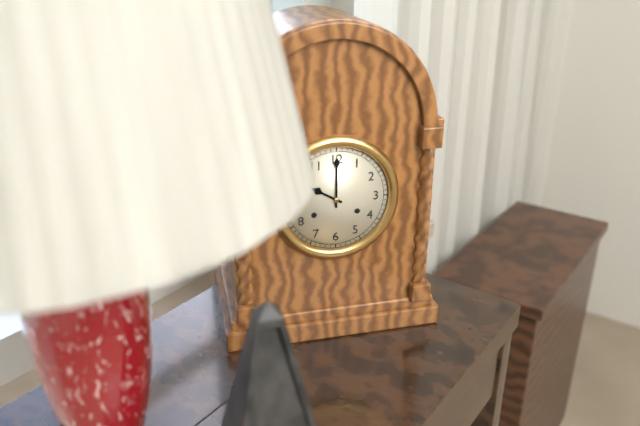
**10:00**
